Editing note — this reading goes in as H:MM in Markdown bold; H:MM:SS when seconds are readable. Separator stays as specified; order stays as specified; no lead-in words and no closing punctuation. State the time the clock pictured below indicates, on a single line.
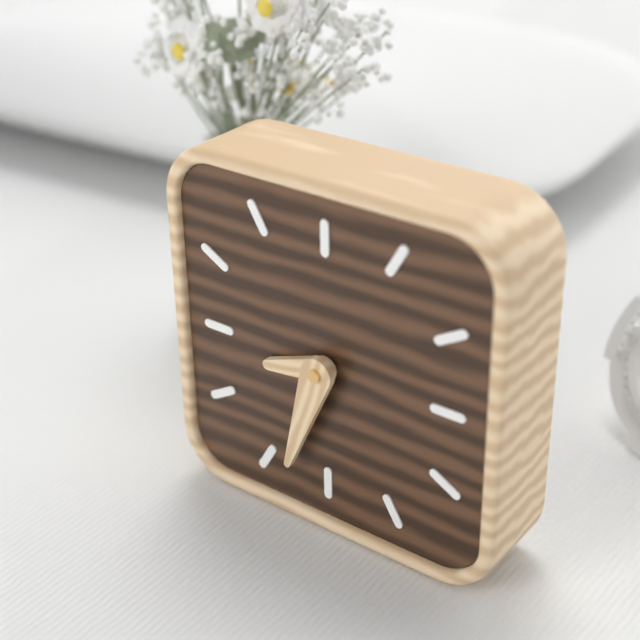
**8:33**
